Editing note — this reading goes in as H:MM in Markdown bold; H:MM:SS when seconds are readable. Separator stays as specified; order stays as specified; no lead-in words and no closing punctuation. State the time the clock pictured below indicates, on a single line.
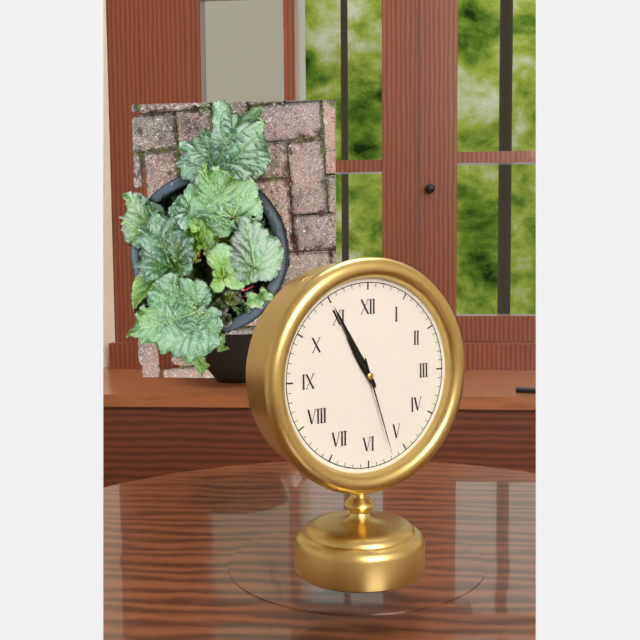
**10:55:27**
